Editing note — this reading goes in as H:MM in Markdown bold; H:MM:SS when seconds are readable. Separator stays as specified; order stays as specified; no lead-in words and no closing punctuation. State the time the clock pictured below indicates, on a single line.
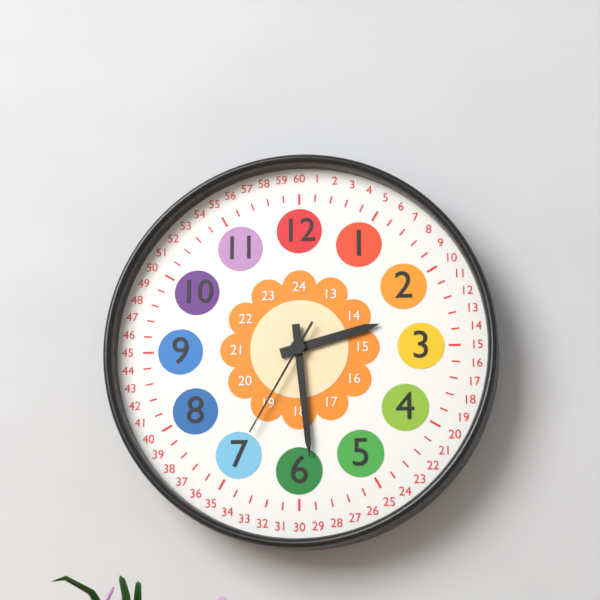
**2:29:35**
